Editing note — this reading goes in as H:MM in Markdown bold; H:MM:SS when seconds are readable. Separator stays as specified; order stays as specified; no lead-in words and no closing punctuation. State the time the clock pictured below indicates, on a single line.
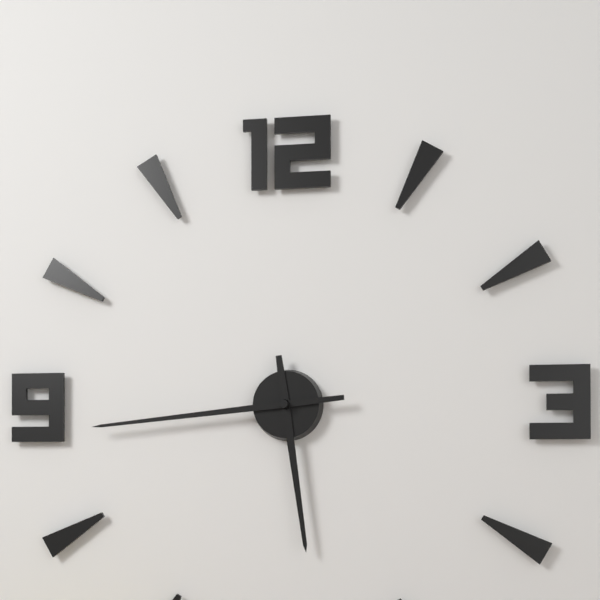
**5:44**
